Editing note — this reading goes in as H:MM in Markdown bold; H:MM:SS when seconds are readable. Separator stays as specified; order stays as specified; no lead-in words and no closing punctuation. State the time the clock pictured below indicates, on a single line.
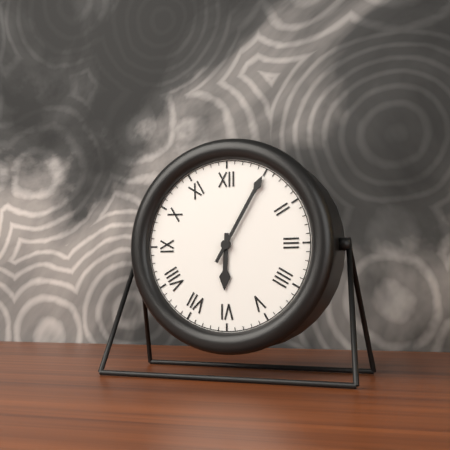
**6:05**
